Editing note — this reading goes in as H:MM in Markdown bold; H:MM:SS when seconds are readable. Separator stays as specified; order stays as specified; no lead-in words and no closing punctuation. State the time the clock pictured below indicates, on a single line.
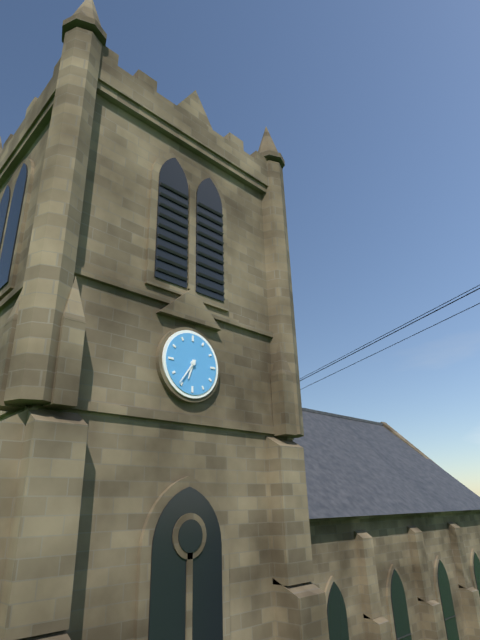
**6:36**
